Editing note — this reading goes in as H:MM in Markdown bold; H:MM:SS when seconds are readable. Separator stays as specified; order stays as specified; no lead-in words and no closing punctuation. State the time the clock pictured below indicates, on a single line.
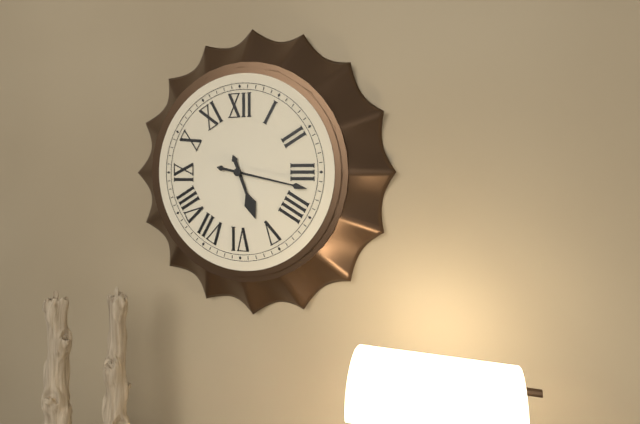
**5:17**
